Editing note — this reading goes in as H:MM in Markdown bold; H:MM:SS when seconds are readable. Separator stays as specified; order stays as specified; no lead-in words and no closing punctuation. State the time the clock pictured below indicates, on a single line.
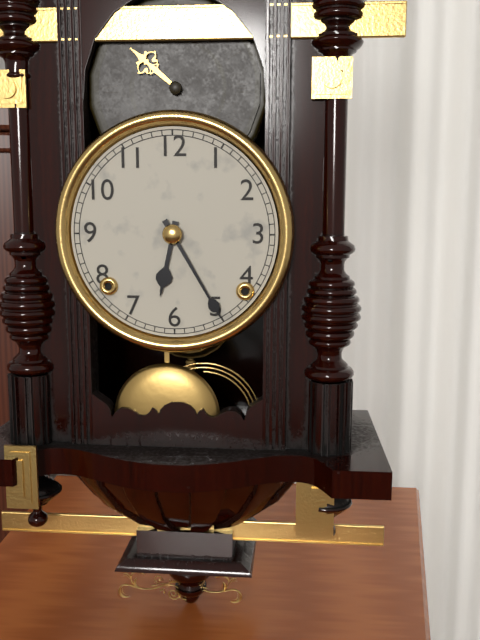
**6:25**
